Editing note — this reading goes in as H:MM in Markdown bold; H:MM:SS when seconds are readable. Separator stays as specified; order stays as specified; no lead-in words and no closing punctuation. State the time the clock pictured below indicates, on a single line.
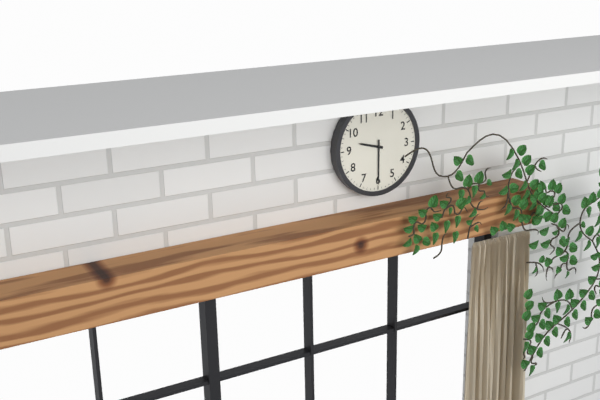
**9:30**
